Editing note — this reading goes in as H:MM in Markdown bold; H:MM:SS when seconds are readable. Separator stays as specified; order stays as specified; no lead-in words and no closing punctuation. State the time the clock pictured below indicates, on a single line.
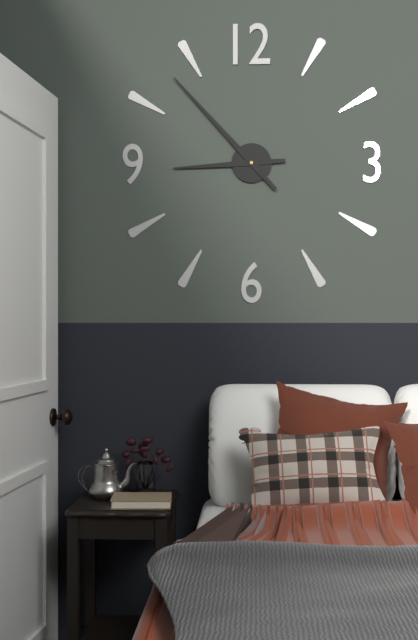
**8:53**
